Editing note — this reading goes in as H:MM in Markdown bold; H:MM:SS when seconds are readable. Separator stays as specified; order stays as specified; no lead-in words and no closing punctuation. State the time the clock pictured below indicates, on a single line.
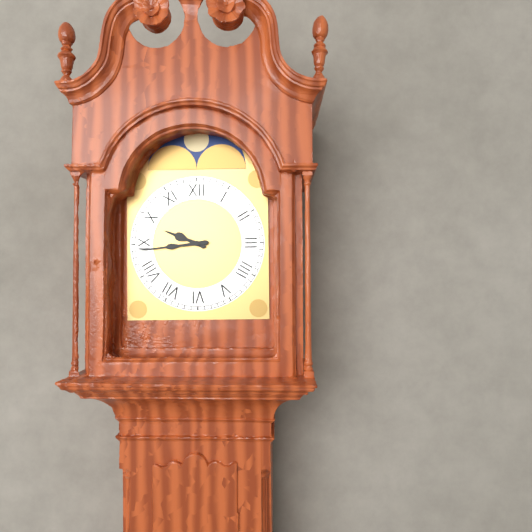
**9:44**
